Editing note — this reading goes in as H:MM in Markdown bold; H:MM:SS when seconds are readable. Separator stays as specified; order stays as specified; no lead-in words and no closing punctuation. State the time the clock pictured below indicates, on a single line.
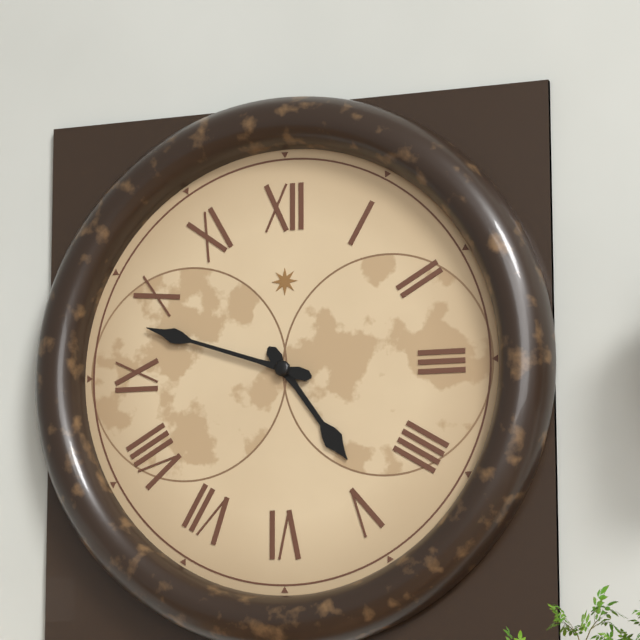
**4:48**
